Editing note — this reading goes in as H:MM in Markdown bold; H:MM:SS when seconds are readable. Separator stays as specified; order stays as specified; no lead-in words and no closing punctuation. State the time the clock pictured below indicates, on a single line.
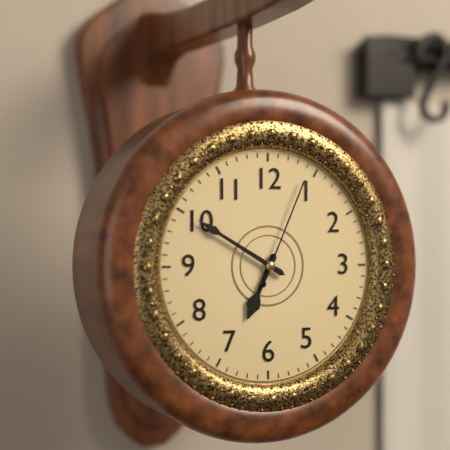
**6:50:04**
